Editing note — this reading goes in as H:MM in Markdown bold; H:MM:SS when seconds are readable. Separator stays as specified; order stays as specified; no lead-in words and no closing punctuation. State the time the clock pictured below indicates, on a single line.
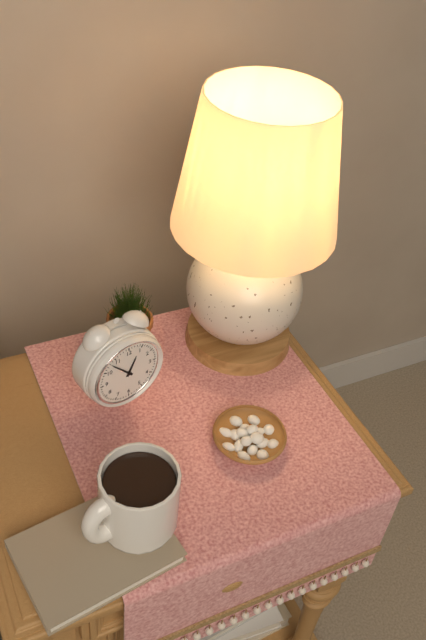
**12:53**
